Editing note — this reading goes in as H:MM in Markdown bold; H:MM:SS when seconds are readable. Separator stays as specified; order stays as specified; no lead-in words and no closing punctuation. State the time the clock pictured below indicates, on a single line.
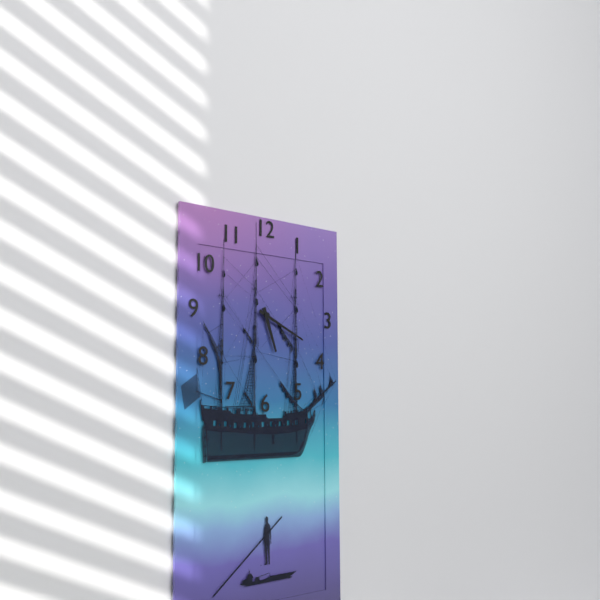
**5:19**
